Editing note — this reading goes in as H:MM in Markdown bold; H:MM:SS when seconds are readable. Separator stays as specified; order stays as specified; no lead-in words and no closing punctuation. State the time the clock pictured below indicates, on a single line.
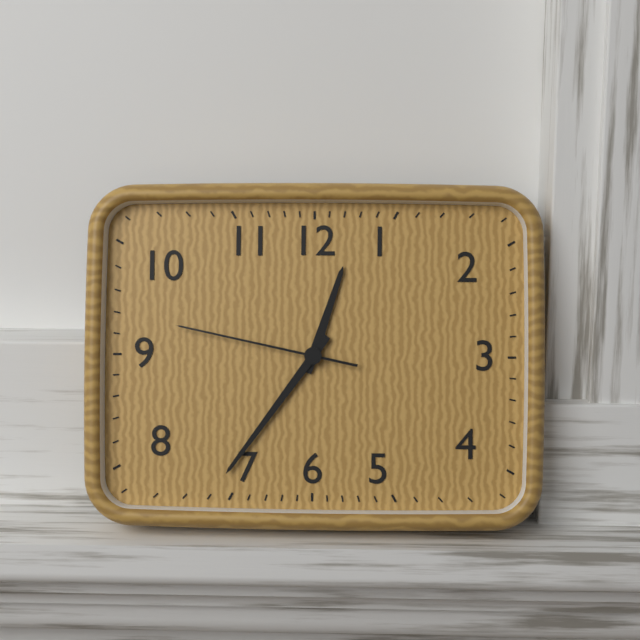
**12:36:47**
